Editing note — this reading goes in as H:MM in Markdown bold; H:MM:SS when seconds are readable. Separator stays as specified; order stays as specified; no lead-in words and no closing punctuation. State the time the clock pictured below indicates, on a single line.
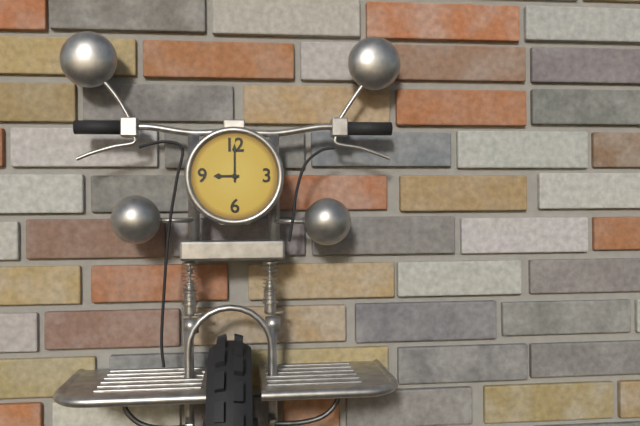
**9:00**
